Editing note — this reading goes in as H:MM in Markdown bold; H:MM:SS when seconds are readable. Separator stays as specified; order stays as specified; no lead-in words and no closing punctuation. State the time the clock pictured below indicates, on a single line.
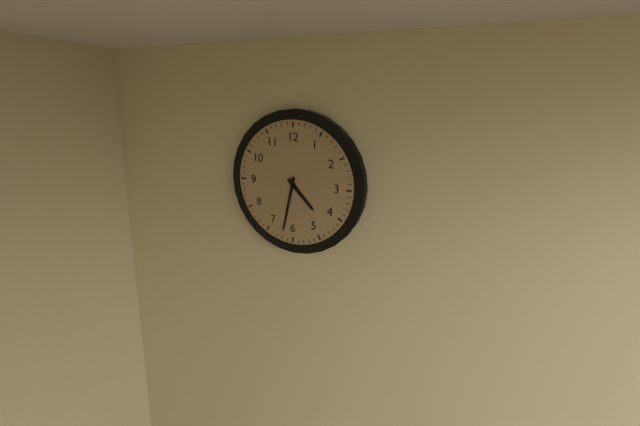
**4:32**
